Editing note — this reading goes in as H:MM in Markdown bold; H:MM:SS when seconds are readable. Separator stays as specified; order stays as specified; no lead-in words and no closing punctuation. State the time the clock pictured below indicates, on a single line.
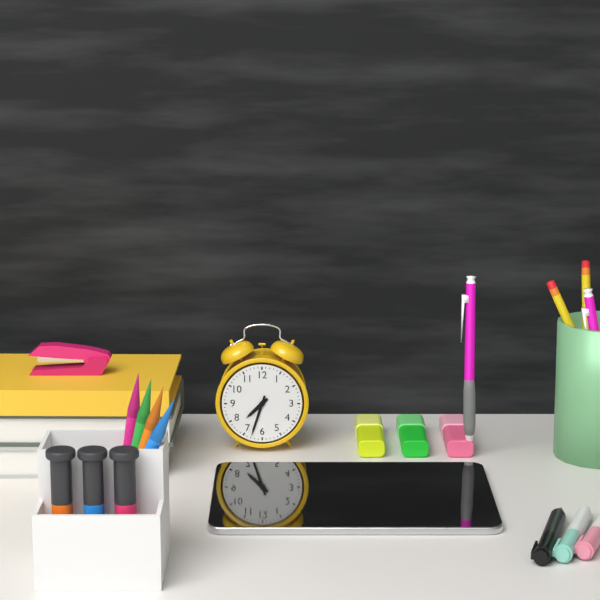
**7:33**
